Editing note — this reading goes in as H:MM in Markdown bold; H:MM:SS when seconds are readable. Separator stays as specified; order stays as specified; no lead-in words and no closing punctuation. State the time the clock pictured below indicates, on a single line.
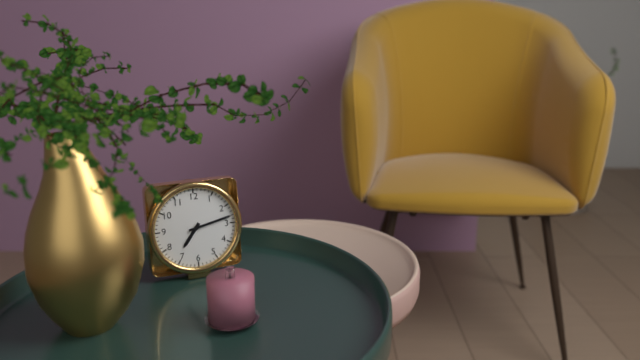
**7:13**
